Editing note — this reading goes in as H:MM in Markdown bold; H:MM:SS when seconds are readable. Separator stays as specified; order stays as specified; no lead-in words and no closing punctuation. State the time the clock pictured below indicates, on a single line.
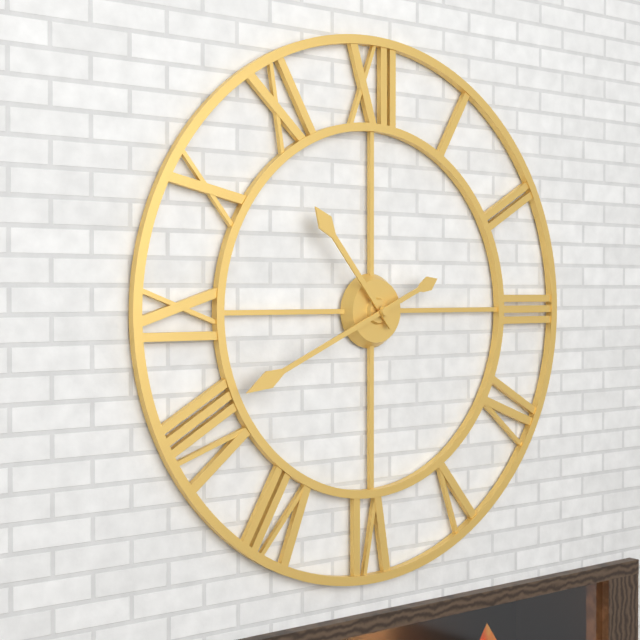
**10:41**
